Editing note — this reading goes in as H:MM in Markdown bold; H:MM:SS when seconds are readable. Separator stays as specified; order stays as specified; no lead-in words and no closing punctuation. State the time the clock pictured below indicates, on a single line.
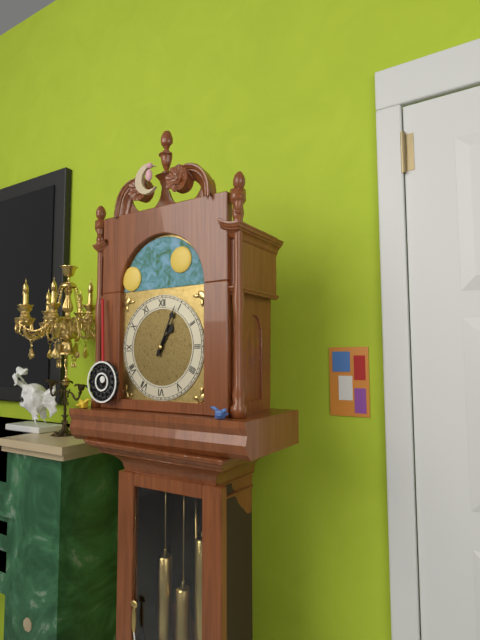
**1:04**
